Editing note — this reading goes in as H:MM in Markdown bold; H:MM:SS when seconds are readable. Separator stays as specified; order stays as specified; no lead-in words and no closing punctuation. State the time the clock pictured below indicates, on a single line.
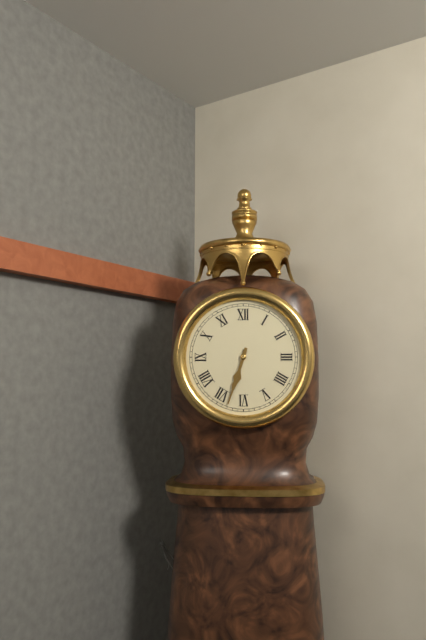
**6:33**
